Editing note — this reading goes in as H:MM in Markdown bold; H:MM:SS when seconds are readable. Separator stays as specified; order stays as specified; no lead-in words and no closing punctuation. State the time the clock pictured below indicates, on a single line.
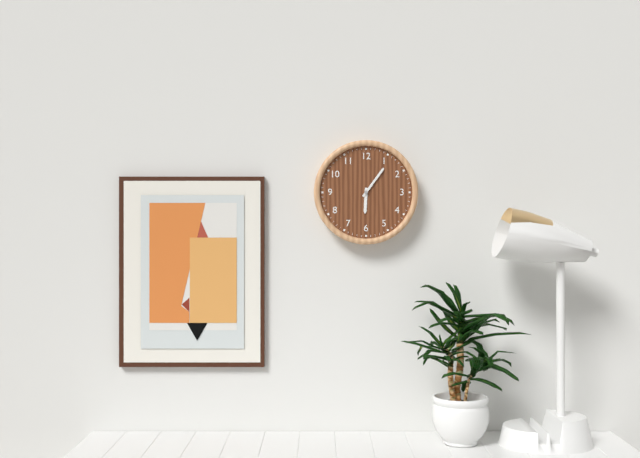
**6:06**
